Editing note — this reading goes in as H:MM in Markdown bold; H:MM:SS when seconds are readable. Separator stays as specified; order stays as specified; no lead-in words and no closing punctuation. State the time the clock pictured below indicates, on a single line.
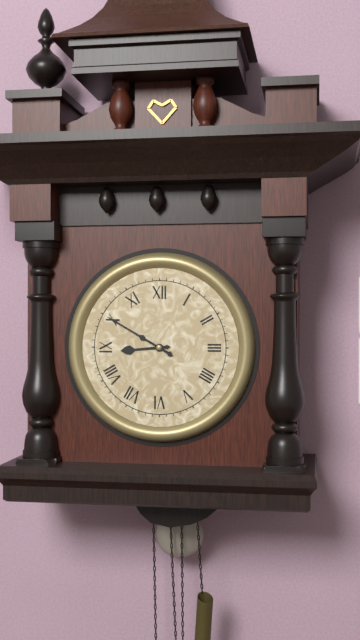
**8:50**
